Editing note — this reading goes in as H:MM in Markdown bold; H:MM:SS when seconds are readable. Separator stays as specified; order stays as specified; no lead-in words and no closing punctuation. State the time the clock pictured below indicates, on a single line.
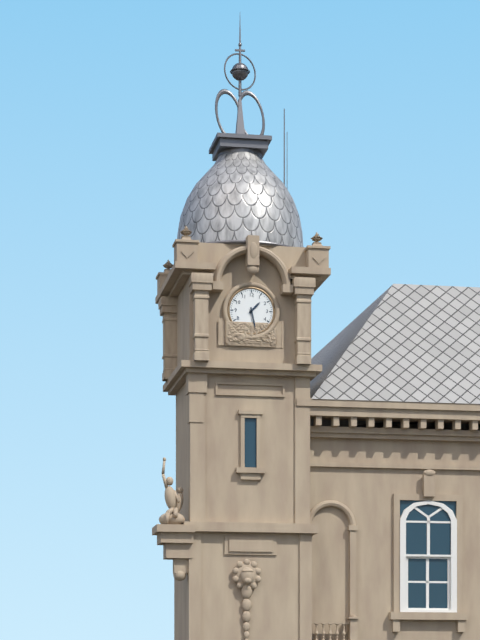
**1:28**
